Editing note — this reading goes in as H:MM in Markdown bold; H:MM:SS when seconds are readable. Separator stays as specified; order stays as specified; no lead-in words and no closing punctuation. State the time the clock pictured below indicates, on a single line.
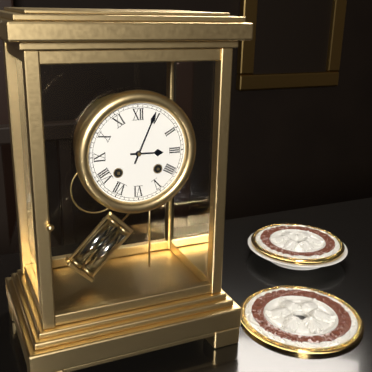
**3:04**
